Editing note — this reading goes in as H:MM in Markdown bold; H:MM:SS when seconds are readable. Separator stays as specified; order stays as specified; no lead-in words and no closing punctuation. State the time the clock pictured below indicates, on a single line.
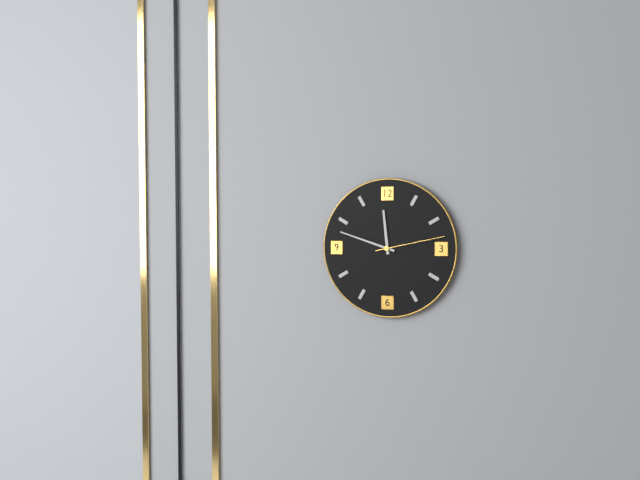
**11:48:13**
